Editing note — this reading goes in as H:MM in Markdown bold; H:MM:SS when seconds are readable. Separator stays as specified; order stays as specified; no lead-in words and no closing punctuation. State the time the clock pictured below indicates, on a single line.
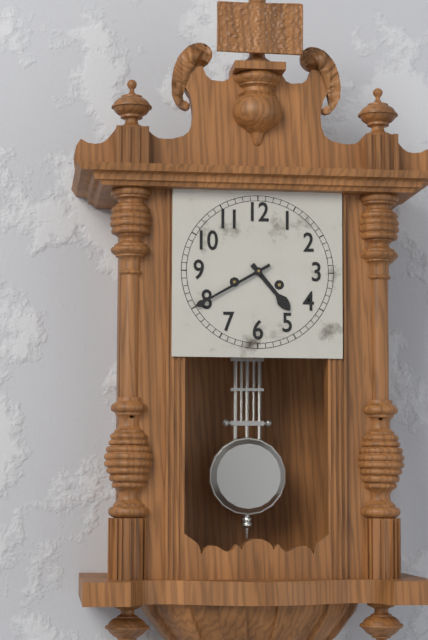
**4:40**
